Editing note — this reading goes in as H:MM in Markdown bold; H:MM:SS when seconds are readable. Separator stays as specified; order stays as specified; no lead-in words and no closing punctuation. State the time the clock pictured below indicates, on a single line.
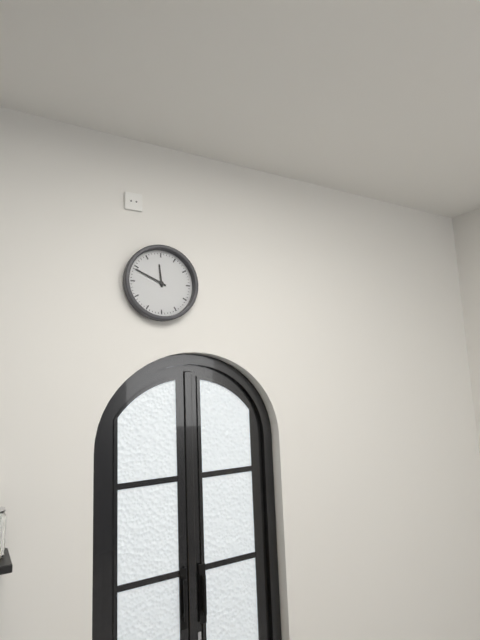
**11:49**
